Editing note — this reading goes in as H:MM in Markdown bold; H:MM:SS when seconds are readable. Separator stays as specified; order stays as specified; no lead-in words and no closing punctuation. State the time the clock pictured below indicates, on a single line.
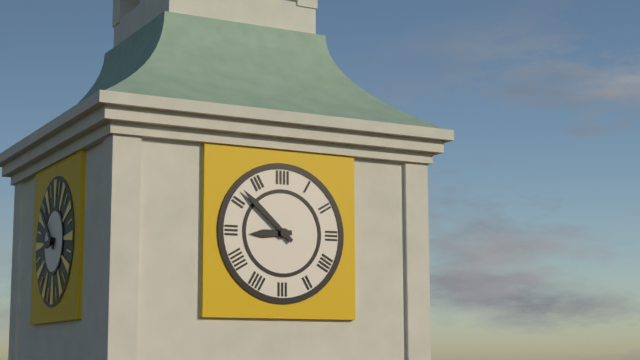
**8:52**
